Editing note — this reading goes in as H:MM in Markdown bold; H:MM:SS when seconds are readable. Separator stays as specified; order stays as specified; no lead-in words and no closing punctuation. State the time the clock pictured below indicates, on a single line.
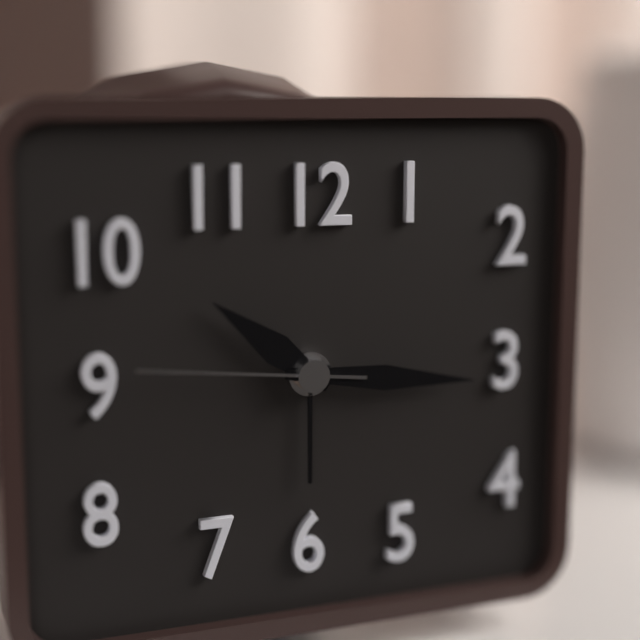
**10:16:46**
